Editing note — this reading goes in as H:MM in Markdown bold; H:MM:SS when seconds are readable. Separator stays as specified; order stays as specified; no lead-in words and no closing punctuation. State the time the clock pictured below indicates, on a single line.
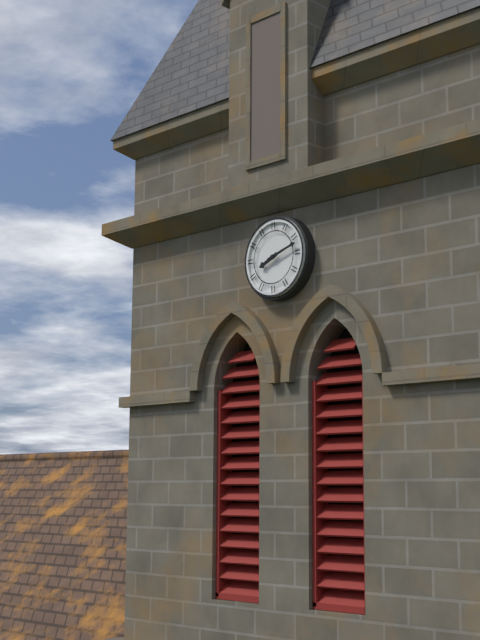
**8:12**
